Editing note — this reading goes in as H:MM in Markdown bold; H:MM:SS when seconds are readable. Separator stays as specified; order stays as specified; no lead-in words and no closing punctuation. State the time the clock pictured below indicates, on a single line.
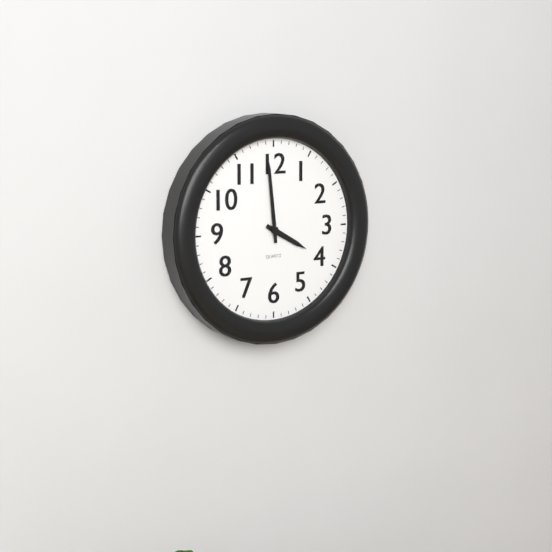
**3:59**
